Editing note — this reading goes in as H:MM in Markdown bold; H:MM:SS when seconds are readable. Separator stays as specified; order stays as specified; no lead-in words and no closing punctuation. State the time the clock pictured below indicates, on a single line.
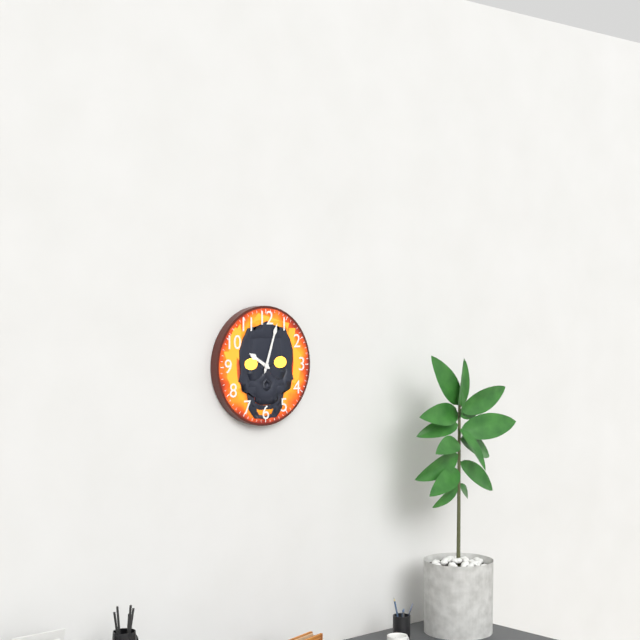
**10:03**
